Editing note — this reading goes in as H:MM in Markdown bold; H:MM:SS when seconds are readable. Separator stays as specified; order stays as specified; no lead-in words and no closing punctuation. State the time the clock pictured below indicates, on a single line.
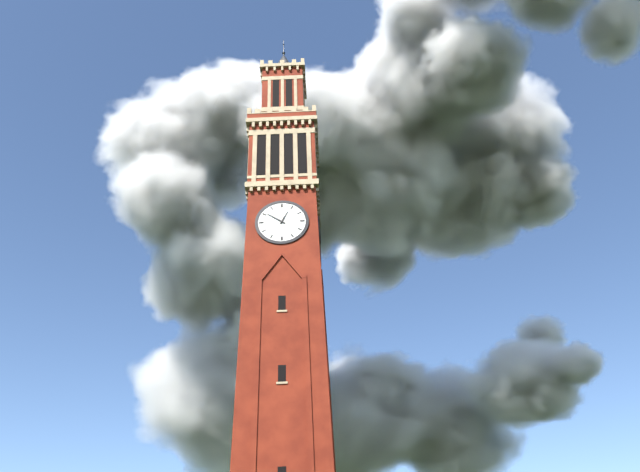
**12:51**
